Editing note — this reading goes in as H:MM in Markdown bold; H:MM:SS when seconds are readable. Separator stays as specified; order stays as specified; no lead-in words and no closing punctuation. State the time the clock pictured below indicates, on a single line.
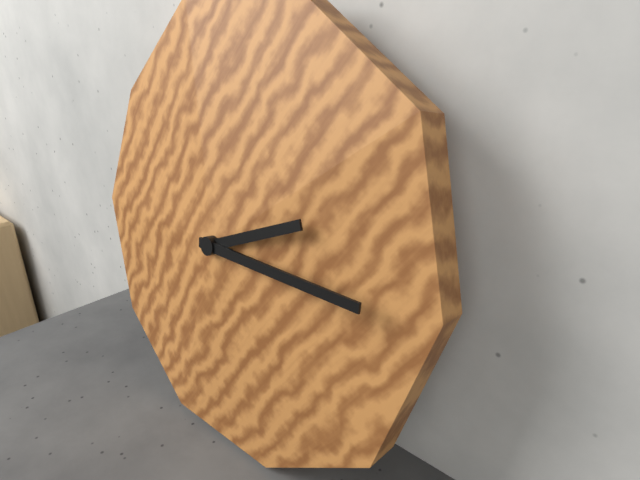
**2:15**
